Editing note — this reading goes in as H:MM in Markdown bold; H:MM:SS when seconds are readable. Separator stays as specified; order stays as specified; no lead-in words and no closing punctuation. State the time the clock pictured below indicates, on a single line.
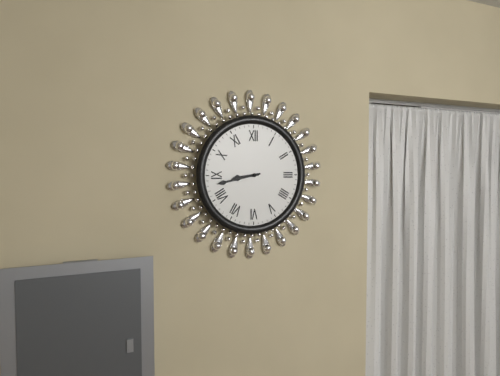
**8:43**
